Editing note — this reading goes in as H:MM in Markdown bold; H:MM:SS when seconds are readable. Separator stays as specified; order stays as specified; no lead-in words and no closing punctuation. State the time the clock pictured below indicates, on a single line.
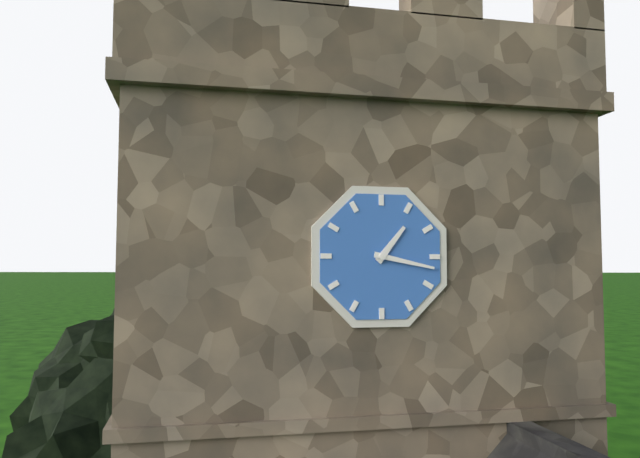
**1:17**
